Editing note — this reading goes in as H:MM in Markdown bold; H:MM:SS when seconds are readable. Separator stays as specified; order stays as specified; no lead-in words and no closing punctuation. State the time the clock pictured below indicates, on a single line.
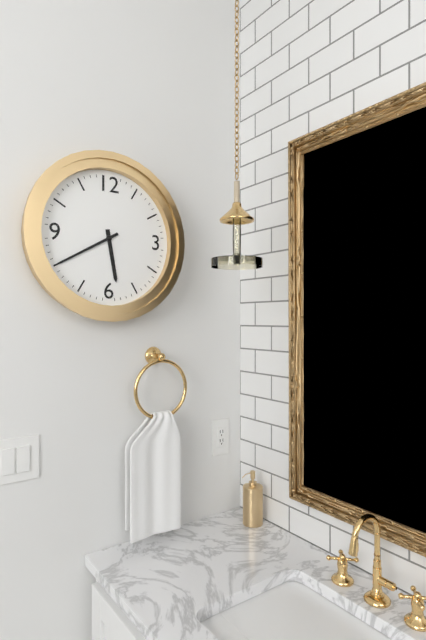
**5:40**
